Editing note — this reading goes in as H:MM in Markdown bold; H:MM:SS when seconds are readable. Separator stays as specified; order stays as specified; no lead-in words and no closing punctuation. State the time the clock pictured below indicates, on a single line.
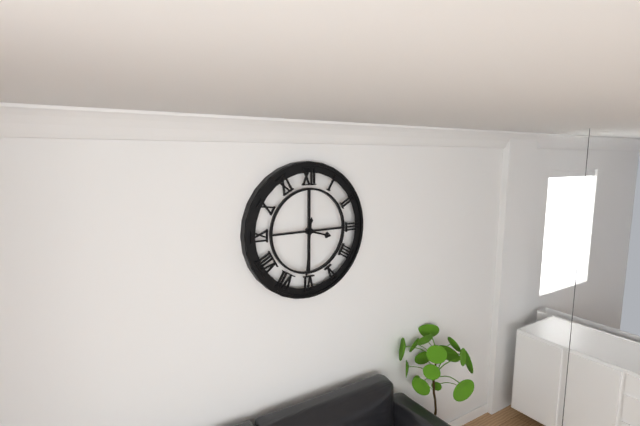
**3:31**
